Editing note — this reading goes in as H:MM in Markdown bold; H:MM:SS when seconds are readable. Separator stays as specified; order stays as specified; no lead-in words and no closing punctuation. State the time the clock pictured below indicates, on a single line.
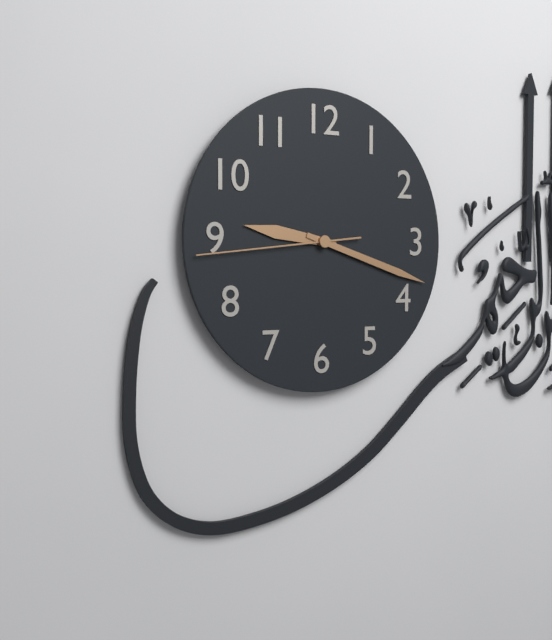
**9:18:44**
